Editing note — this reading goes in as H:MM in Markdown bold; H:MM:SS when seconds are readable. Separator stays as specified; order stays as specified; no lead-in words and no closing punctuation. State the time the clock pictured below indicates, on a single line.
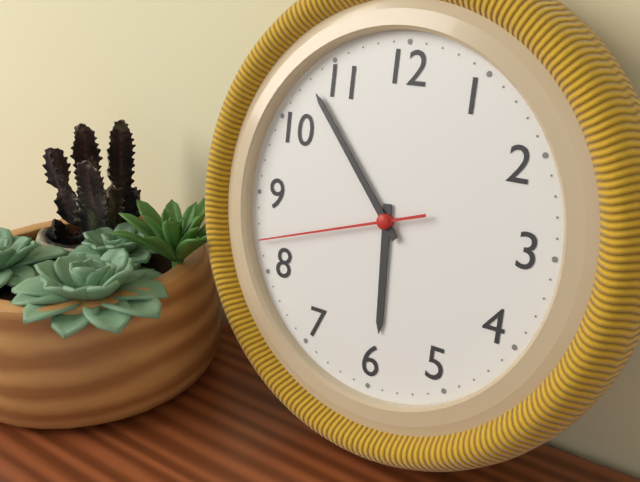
**5:53:42**
